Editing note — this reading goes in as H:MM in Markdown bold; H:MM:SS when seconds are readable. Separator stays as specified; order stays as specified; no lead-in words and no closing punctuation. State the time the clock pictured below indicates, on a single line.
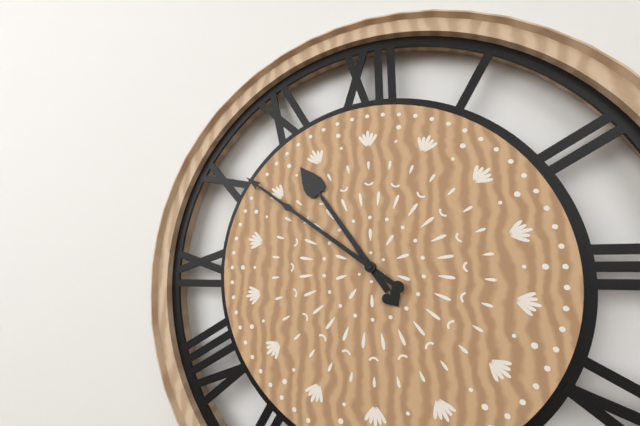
**10:51**
